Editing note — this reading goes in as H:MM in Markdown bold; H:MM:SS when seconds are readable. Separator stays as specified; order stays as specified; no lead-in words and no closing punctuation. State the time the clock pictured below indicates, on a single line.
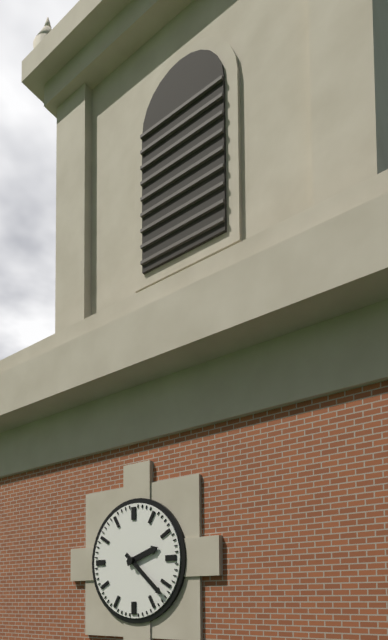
**2:22**
